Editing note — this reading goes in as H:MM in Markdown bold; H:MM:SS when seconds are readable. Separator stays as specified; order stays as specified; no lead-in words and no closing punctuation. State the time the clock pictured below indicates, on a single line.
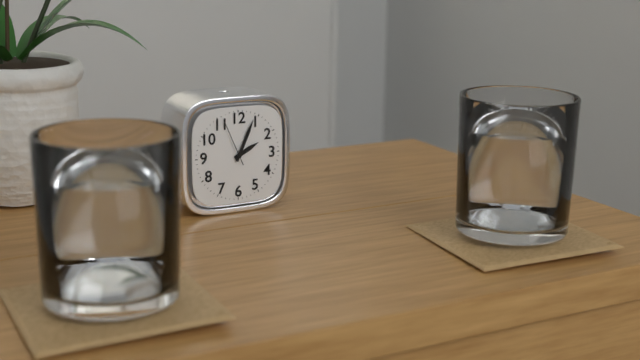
**2:04**
